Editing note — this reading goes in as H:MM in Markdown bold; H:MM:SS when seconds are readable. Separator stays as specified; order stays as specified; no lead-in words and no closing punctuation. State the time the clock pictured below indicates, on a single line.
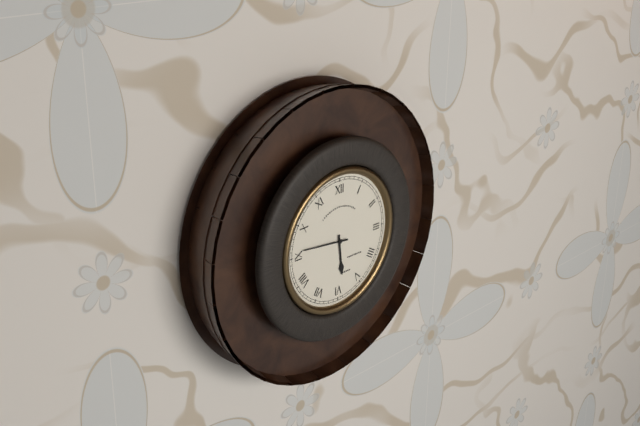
**5:46**
